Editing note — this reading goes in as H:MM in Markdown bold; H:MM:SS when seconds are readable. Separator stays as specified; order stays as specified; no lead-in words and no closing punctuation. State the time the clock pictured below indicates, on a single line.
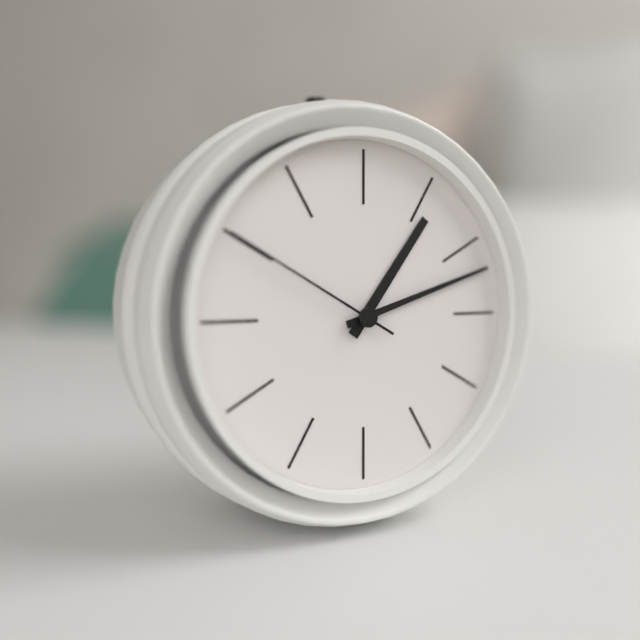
**1:12:50**
